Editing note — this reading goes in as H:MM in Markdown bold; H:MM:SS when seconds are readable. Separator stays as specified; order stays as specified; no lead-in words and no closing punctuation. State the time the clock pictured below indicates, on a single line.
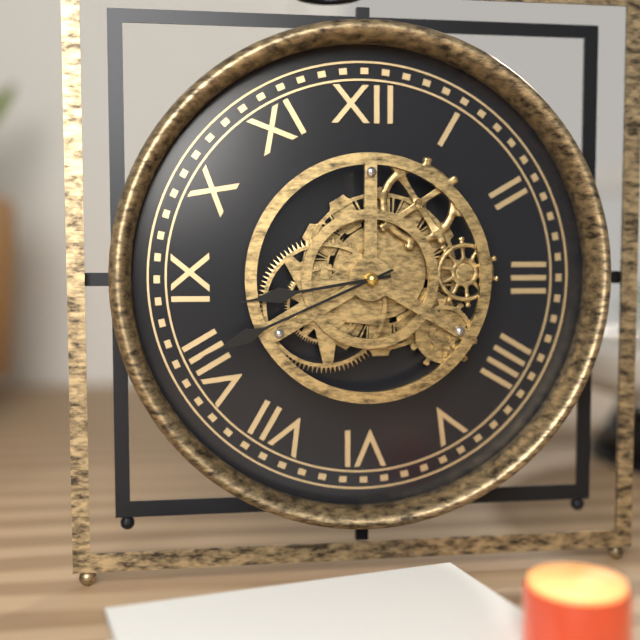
**8:41**
